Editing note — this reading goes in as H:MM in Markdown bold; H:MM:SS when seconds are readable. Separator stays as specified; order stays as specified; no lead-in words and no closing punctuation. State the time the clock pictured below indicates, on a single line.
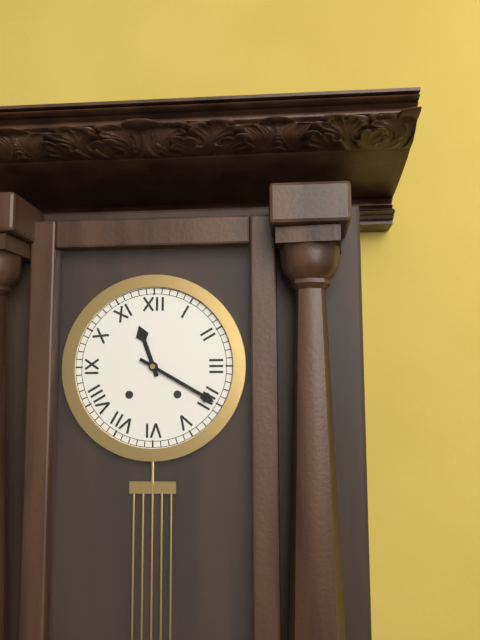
**11:20**
